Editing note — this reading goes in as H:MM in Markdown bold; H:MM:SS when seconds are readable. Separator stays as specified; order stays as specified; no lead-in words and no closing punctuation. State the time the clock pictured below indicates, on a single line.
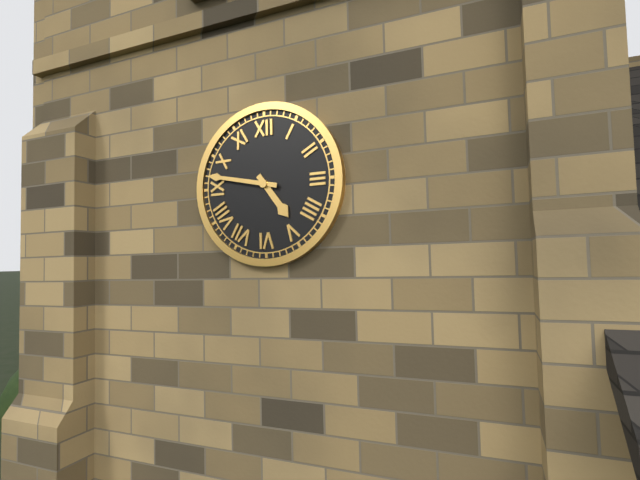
**4:47**
